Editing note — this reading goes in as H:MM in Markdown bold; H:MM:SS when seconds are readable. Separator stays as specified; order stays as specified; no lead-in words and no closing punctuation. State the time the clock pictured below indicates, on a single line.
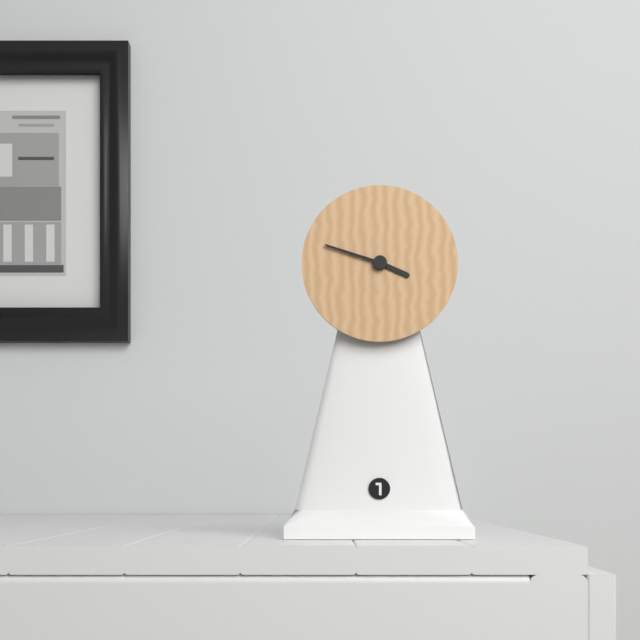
**3:48**
